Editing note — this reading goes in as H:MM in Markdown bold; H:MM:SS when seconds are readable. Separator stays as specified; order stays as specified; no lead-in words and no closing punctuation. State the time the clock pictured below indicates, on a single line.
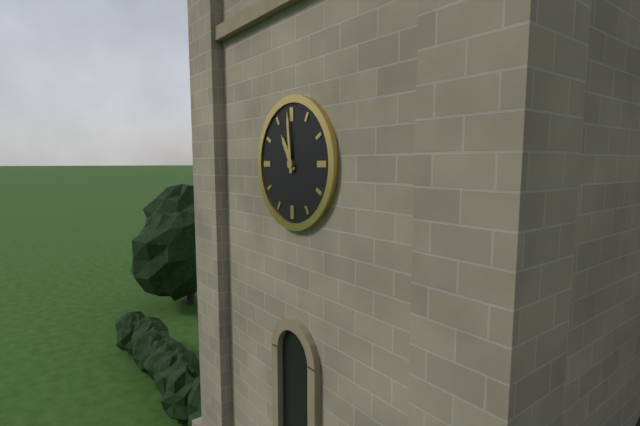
**10:59**
